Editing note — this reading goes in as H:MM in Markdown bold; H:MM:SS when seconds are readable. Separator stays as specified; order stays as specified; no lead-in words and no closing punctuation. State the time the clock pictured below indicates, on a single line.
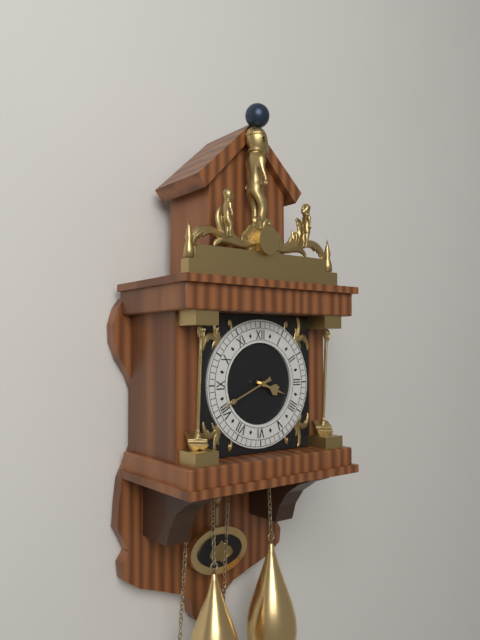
**3:41**
